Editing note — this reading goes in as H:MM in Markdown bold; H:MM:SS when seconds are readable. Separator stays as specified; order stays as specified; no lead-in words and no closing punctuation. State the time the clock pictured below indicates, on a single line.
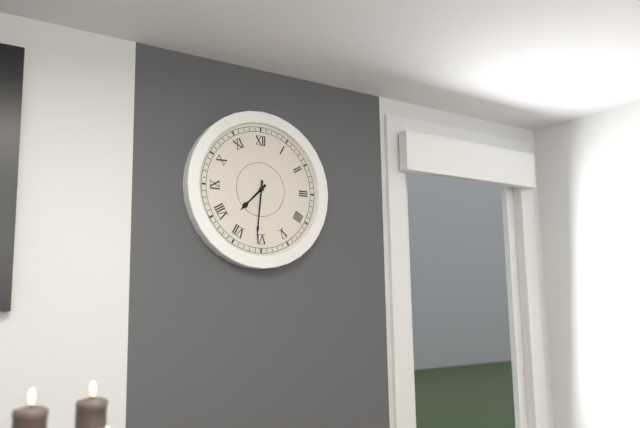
**7:31**
